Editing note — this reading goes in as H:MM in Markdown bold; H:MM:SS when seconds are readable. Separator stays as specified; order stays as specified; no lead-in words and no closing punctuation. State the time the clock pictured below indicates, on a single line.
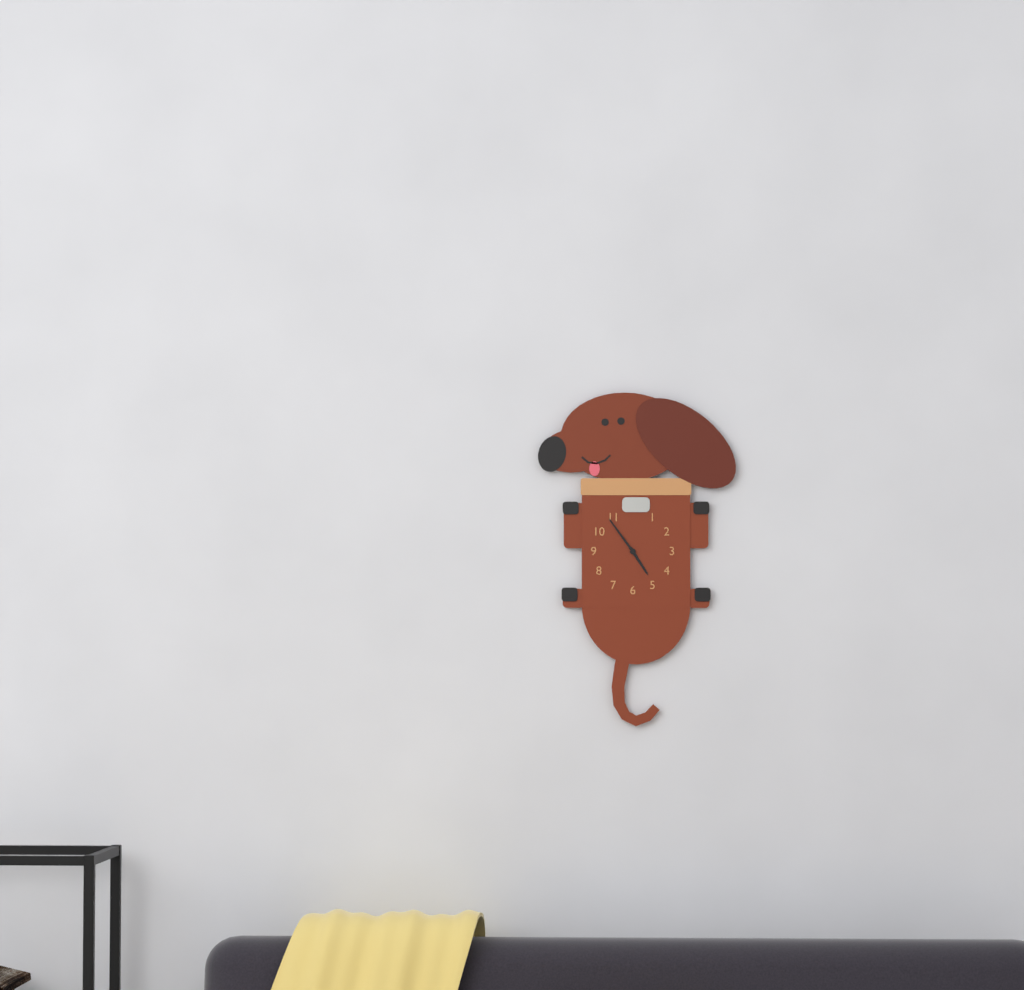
**4:54**
